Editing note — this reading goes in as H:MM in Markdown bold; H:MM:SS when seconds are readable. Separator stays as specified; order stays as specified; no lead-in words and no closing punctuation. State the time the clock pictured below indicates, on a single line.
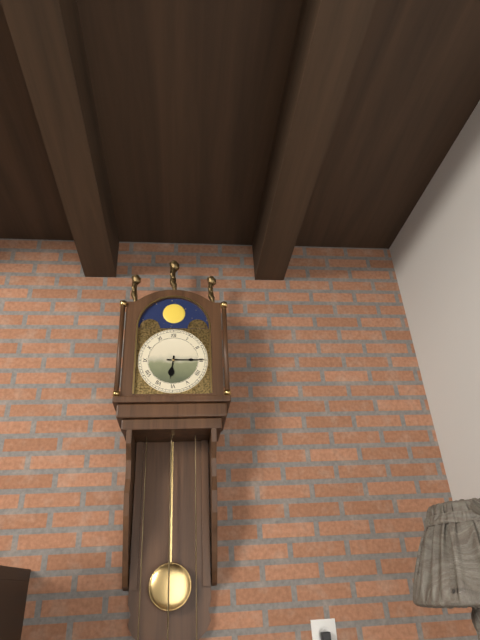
**6:15**
